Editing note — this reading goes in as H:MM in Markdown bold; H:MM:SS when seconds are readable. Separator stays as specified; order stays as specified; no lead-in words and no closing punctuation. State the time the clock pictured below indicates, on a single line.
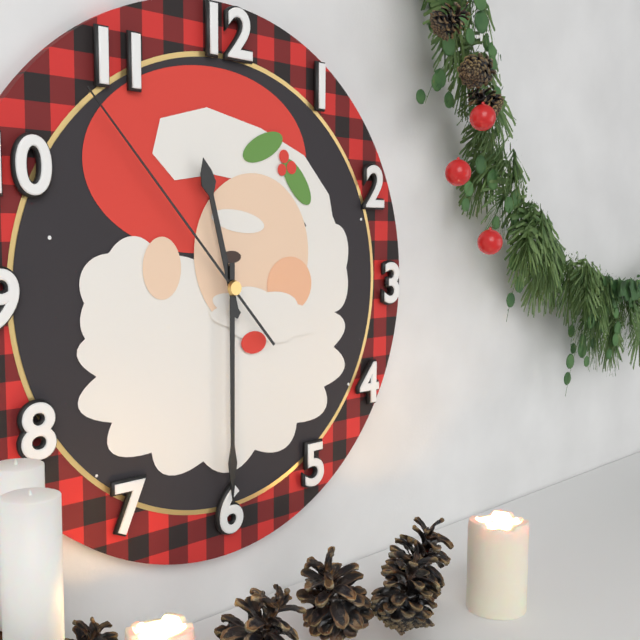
**11:30:53**
